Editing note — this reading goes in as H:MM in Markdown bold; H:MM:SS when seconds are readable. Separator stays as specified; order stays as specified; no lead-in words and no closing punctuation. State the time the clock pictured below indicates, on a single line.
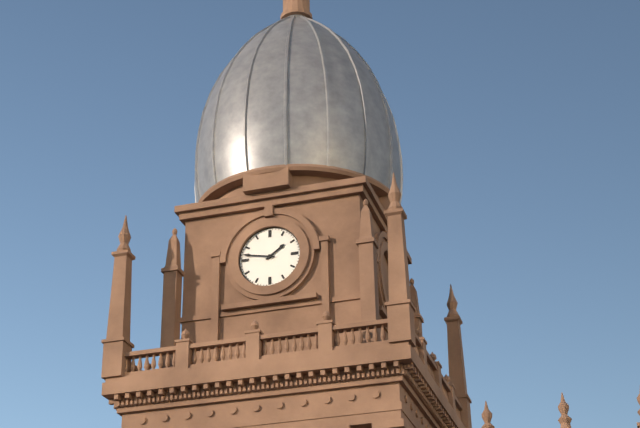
**1:47**
